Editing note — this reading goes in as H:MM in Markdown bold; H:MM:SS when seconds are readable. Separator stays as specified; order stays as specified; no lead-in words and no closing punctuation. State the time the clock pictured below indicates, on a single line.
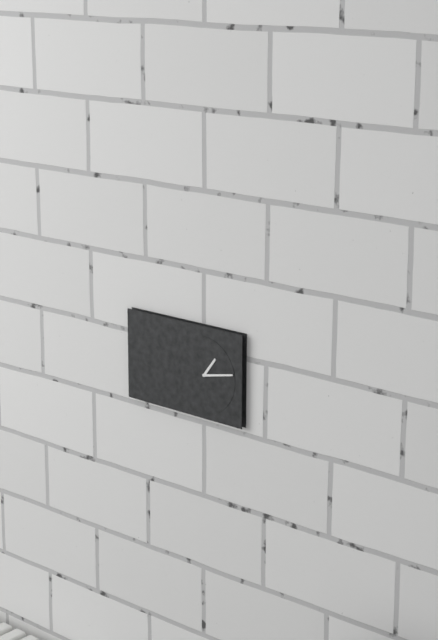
**1:13**
